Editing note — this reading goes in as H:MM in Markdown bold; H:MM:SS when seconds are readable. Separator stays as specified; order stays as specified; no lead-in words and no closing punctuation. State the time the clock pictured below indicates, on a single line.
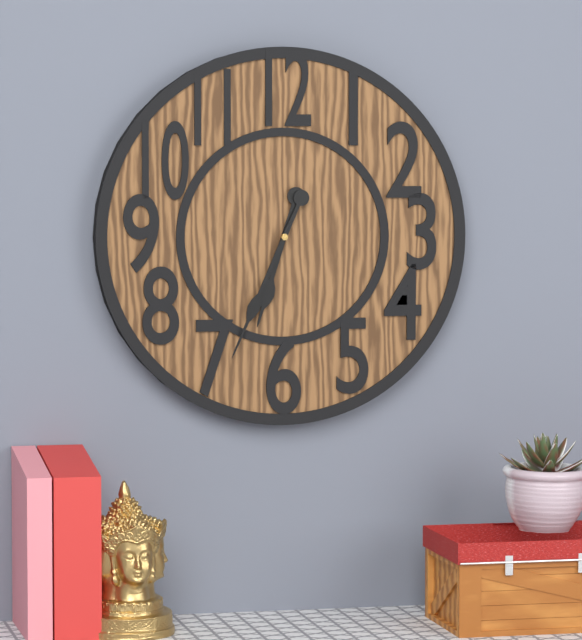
**6:34**
